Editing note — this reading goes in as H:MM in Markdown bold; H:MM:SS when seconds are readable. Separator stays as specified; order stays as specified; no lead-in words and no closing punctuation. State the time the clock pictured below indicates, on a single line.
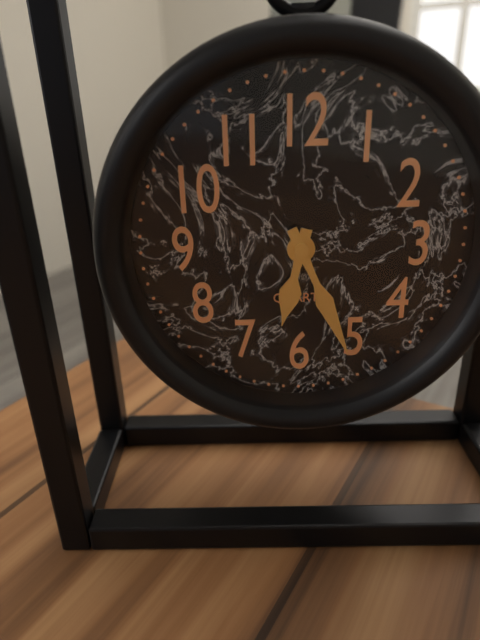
**6:26**
